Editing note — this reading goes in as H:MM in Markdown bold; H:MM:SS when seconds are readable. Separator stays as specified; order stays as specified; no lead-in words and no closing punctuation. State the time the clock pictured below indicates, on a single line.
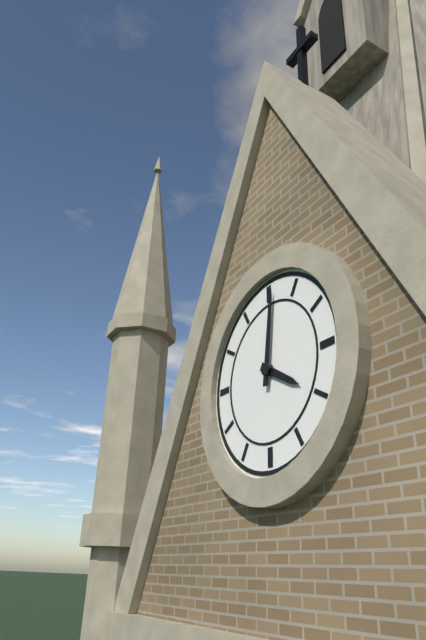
**4:01**
